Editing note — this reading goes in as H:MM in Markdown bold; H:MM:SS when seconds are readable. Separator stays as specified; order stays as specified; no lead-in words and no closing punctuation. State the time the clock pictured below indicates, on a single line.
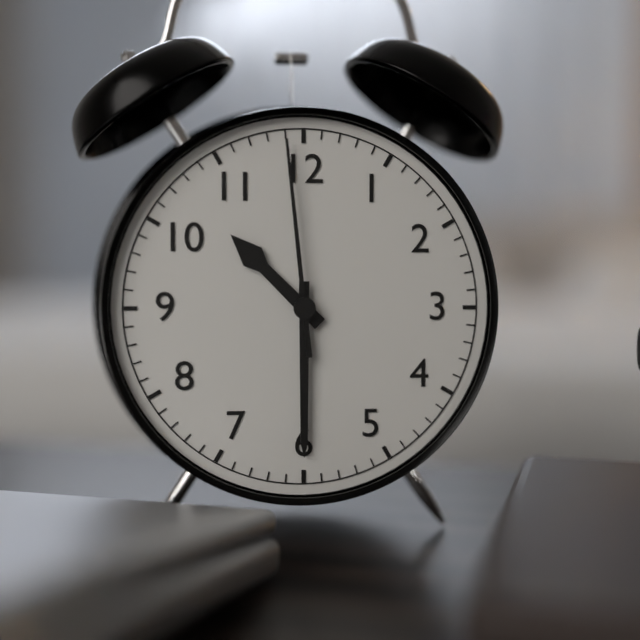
**10:30:59**
